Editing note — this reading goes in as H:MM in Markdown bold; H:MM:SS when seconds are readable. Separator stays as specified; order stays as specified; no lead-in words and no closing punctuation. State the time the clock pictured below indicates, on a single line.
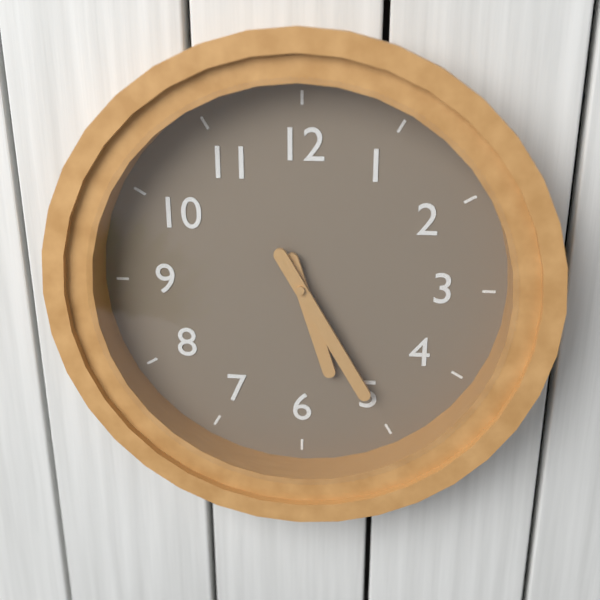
**5:25**
